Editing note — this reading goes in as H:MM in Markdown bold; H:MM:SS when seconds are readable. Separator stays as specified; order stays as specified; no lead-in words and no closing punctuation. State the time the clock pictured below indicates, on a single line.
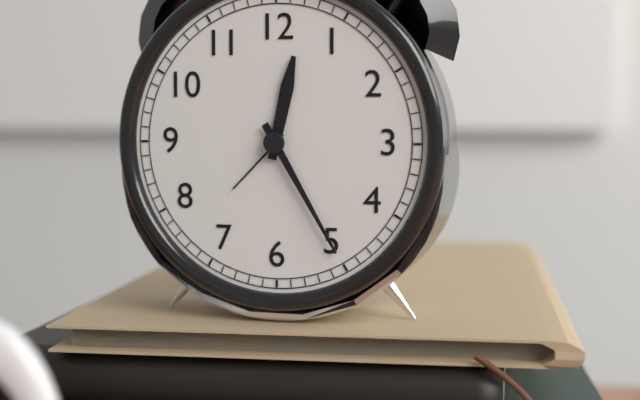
**12:25**
